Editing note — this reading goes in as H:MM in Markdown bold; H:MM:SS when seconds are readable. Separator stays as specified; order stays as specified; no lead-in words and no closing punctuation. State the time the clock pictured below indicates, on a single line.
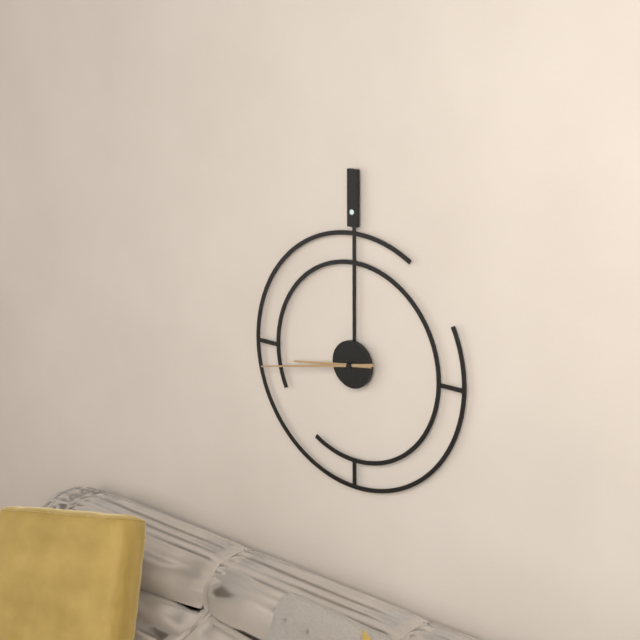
**8:43**
